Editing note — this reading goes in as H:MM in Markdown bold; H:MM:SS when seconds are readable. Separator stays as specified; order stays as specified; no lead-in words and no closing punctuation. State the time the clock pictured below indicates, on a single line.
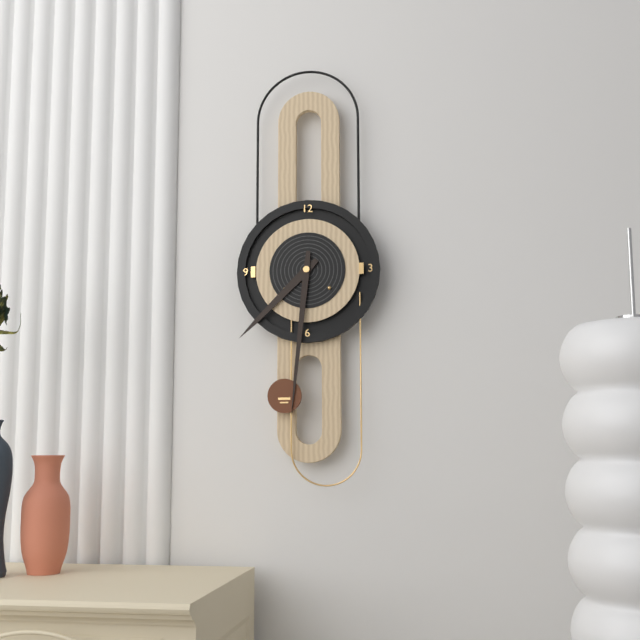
**7:31**
